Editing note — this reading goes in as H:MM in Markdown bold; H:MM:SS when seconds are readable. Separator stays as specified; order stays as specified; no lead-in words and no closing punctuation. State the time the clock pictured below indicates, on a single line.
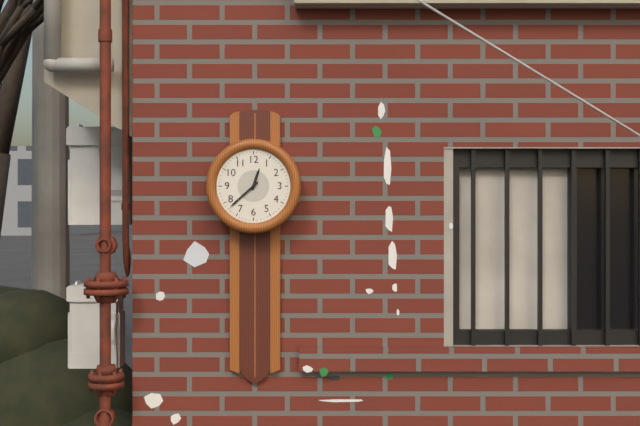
**12:38**
